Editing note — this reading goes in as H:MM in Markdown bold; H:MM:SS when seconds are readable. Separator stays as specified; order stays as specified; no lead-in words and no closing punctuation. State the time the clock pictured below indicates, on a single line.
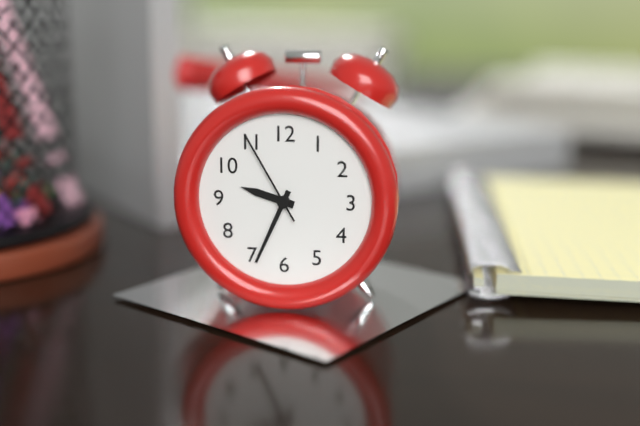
**9:34:55**
